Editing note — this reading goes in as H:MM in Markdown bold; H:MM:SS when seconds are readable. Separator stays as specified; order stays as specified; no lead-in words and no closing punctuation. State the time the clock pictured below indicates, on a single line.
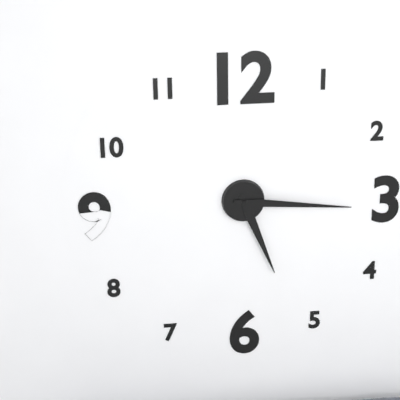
**5:16**
